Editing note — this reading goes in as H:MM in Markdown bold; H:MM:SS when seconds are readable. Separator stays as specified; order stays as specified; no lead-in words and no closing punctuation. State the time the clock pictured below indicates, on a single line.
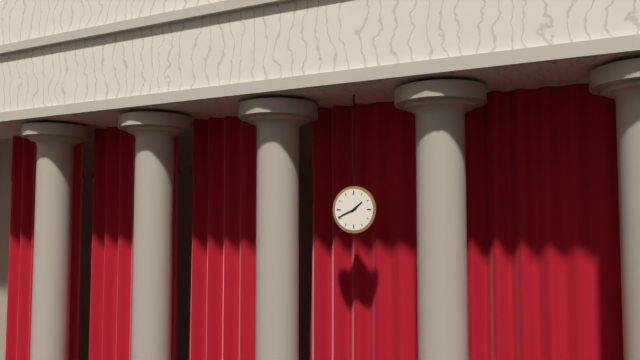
**1:41**
